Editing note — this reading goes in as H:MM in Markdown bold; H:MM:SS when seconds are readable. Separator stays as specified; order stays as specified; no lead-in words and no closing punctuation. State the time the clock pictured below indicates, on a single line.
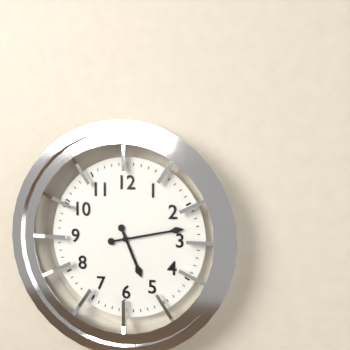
**5:13**
